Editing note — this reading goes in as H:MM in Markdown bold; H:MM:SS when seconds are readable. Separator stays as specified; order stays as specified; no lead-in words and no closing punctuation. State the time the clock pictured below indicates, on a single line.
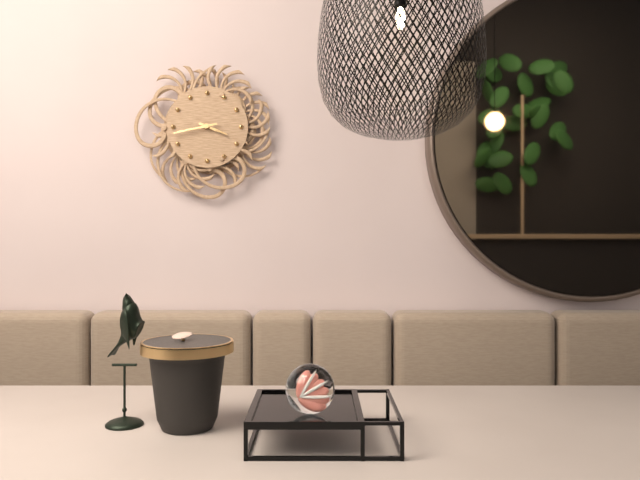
**3:43**
